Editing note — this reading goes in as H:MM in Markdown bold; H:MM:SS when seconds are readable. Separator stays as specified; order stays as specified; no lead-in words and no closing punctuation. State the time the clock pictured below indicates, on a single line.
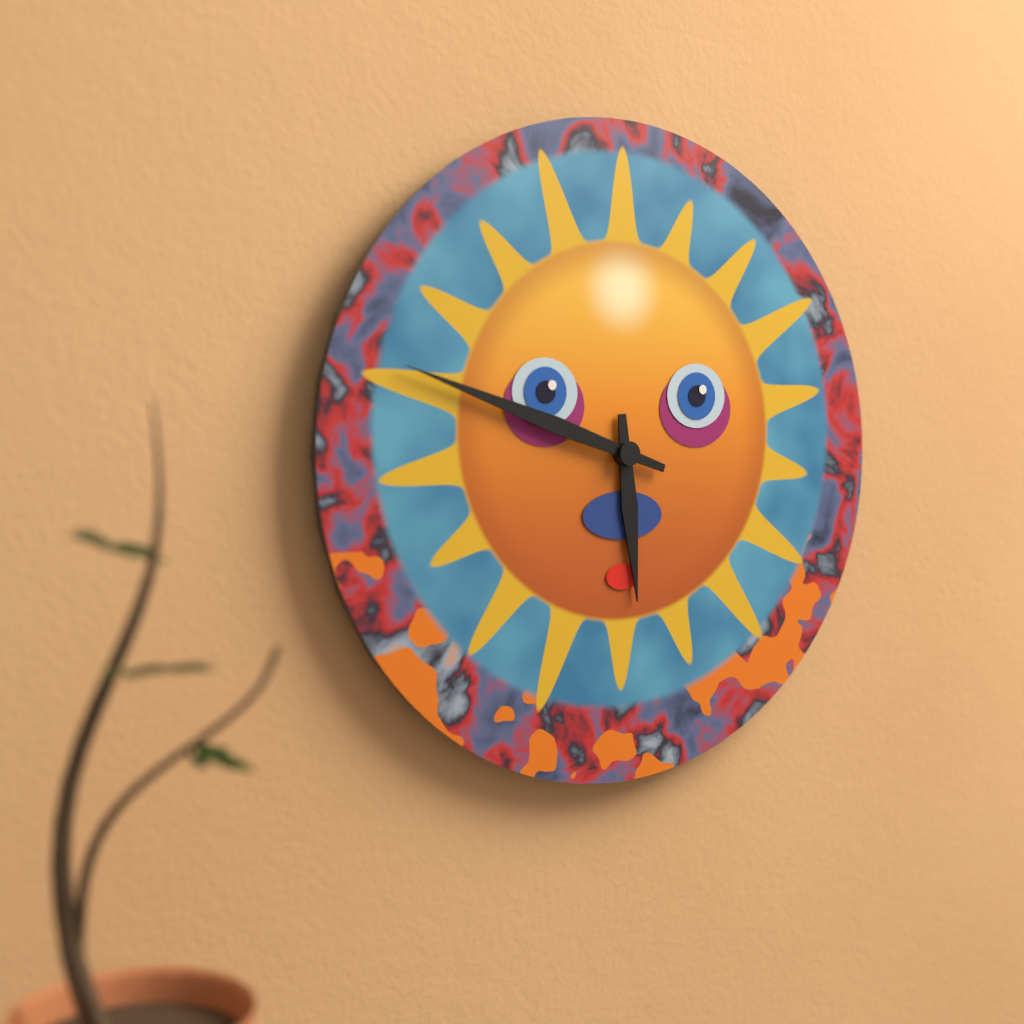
**5:48**
